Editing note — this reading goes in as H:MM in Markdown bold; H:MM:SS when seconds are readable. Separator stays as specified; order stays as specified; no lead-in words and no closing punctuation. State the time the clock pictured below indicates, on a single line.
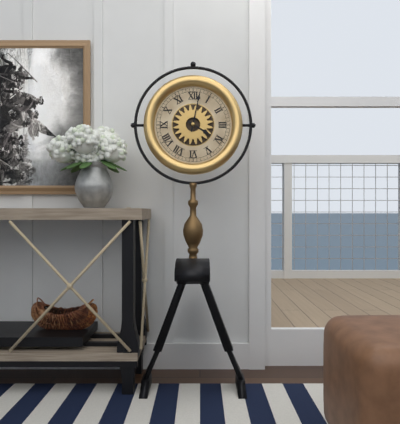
**4:02**
